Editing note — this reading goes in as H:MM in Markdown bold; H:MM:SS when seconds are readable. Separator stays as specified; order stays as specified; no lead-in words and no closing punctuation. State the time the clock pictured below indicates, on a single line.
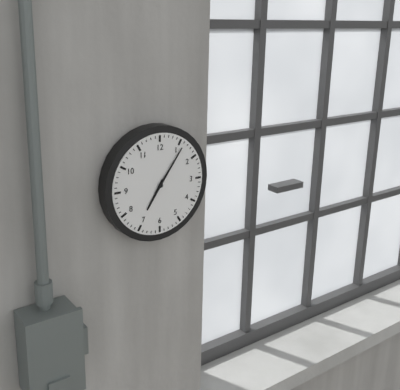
**7:06**
